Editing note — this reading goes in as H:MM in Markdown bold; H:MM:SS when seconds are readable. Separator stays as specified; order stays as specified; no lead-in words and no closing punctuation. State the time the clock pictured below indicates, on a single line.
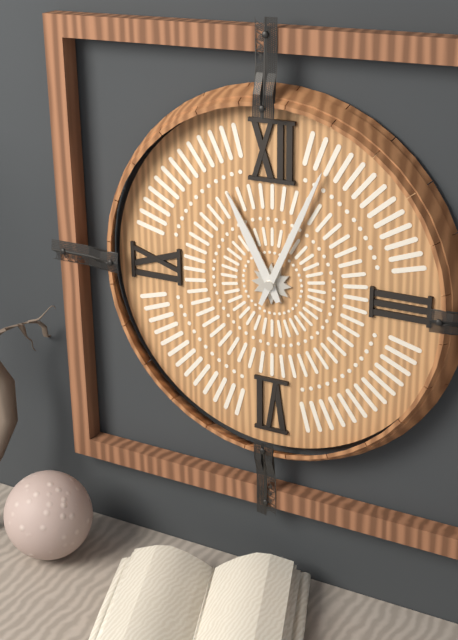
**11:04**
